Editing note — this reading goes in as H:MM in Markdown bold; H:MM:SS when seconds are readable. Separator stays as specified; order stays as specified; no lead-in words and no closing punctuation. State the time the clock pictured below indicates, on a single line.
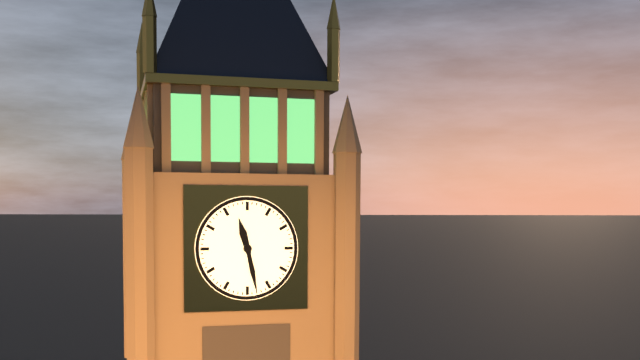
**11:28**
